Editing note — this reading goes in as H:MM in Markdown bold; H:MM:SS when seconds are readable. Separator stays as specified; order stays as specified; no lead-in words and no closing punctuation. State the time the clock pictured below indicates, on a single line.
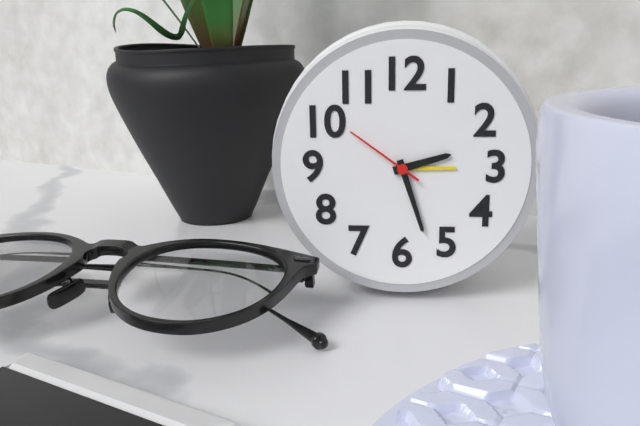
**2:27:51**
